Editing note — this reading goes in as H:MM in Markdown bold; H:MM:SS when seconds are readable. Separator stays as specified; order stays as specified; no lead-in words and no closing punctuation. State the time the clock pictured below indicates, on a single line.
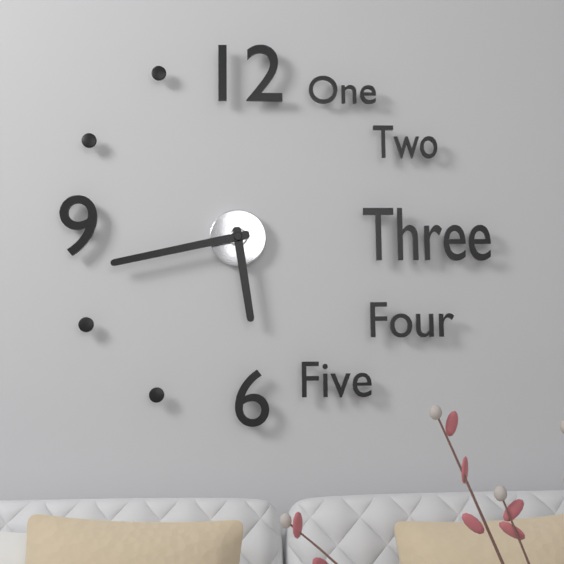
**5:43**
